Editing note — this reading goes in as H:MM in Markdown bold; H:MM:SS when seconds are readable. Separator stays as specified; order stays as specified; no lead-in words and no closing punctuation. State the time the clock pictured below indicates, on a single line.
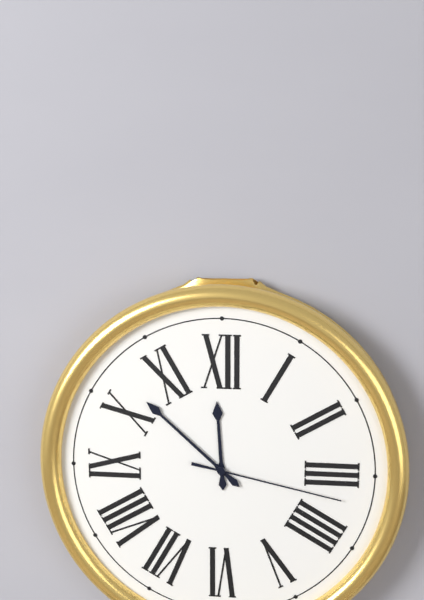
**11:52:17**
